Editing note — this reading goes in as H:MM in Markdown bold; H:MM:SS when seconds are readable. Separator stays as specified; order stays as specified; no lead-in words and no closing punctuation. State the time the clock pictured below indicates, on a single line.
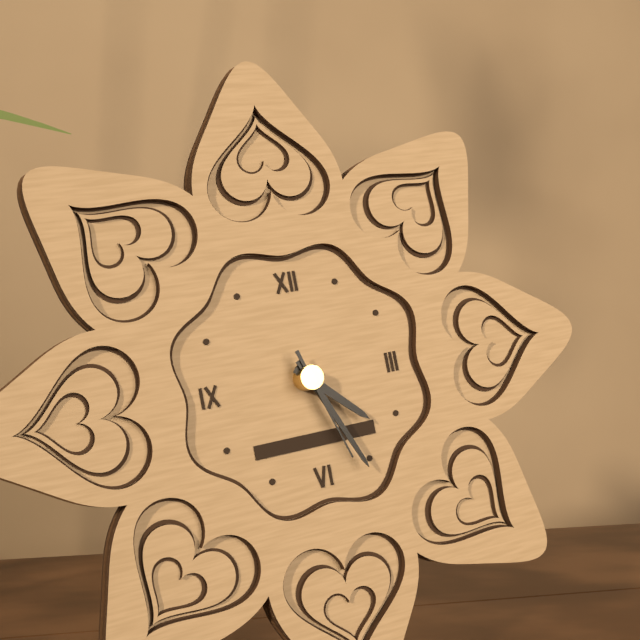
**4:26:27**
